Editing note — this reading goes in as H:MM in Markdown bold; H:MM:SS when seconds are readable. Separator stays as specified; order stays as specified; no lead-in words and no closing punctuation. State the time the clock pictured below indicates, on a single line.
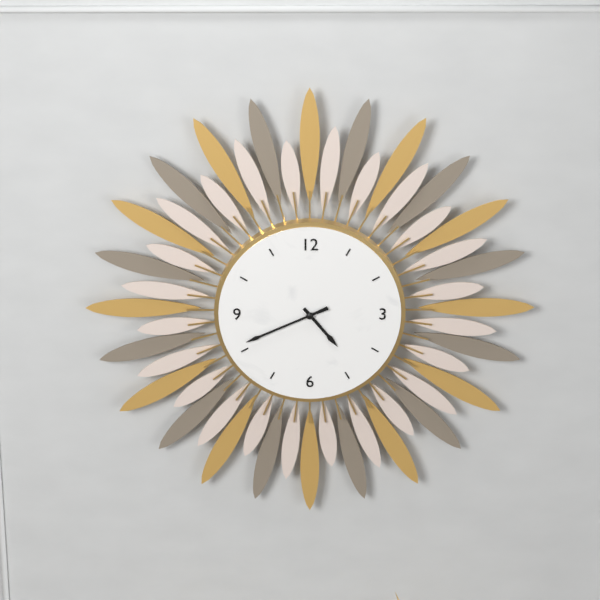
**4:41**
